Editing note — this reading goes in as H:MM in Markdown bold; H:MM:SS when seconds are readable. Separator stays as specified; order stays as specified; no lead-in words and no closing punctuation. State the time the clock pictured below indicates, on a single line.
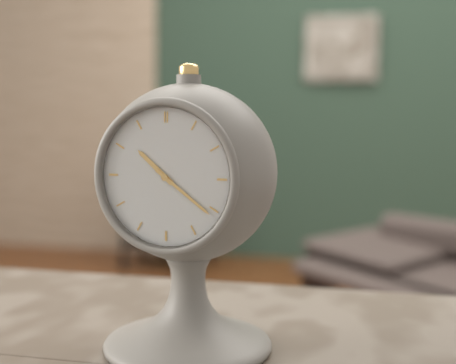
**10:21**
